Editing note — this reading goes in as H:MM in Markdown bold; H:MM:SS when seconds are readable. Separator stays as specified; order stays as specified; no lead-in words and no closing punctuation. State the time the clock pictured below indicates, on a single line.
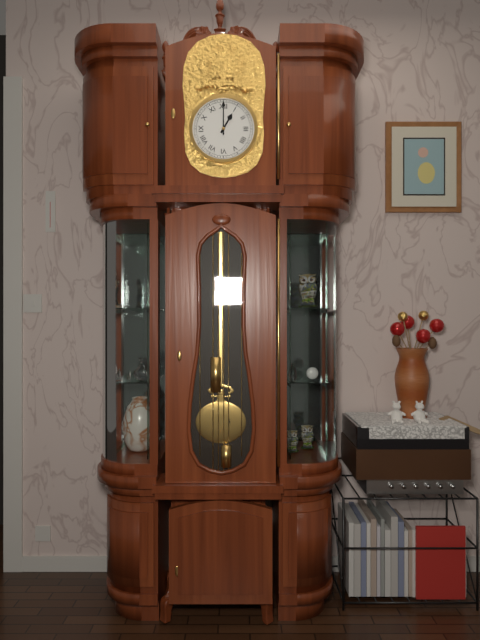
**1:00**
